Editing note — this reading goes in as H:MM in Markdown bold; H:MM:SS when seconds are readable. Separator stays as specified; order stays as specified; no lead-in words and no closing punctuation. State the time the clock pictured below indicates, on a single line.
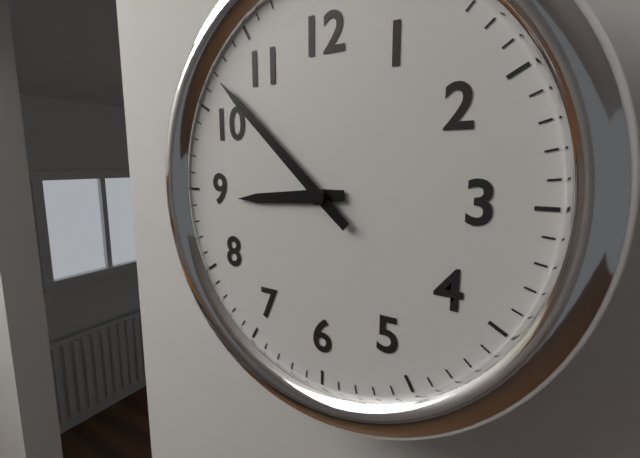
**8:52**
